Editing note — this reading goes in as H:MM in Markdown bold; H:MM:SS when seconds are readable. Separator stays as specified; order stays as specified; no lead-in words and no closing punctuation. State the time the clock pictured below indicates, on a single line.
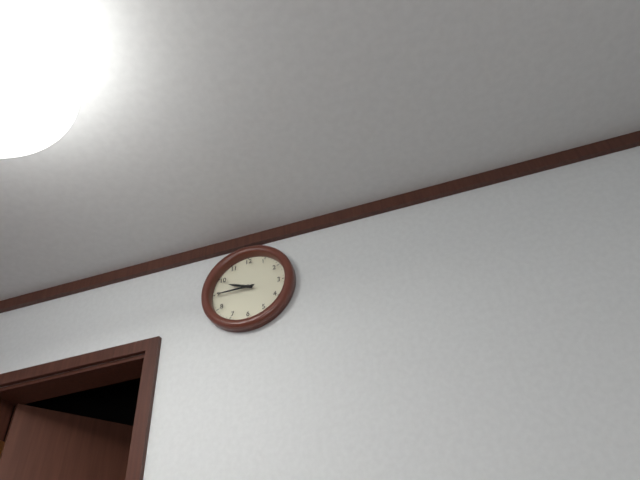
**9:45**
